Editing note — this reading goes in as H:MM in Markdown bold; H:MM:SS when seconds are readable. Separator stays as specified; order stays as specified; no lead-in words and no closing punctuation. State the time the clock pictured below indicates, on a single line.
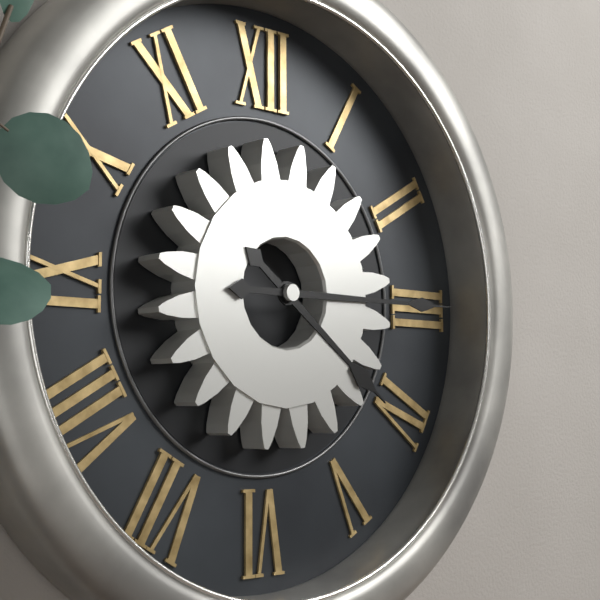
**4:15**
